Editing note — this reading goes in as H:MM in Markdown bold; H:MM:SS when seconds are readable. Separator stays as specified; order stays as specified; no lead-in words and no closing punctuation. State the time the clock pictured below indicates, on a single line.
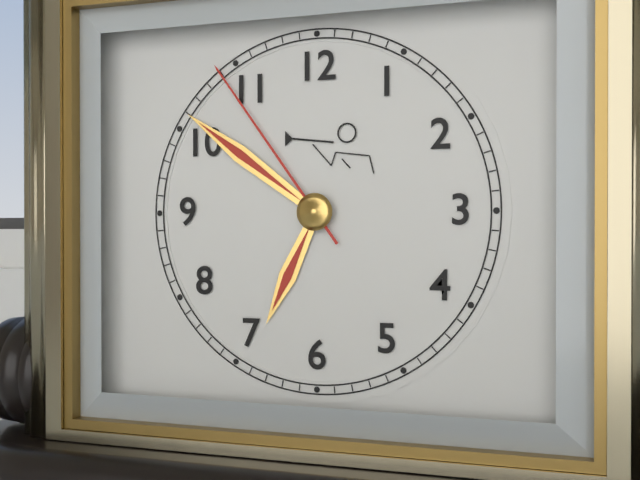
**6:51:54**
